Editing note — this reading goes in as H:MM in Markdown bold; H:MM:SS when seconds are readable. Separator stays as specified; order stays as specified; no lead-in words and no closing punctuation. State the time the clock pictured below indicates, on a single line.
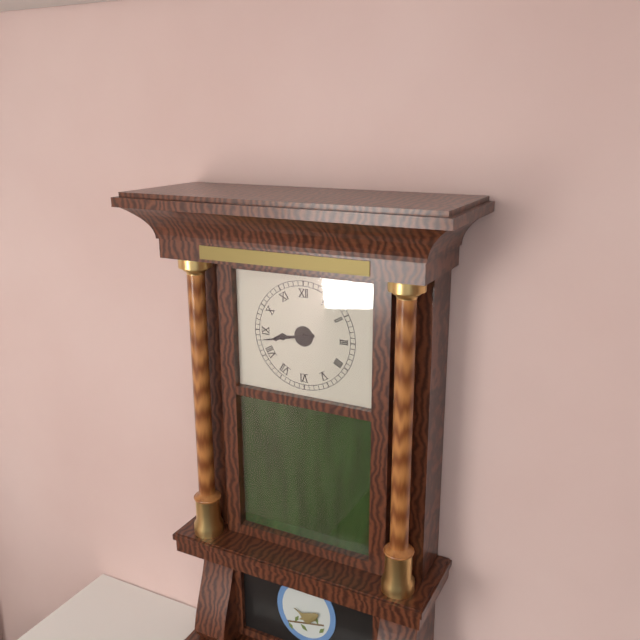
**8:43**
